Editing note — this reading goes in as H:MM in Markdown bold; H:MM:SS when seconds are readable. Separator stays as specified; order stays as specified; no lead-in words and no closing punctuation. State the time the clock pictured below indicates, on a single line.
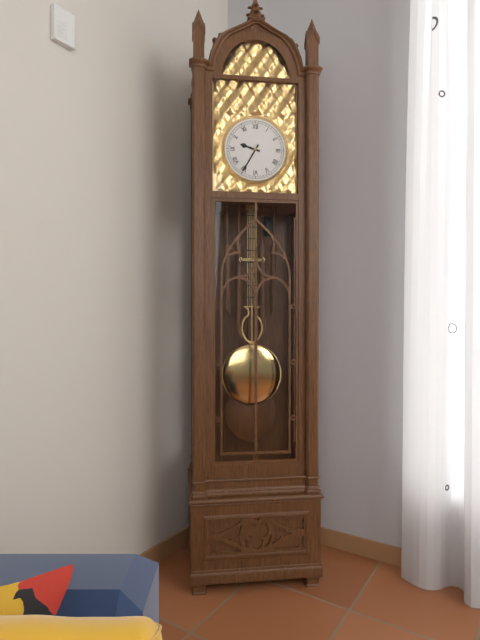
**9:35**
